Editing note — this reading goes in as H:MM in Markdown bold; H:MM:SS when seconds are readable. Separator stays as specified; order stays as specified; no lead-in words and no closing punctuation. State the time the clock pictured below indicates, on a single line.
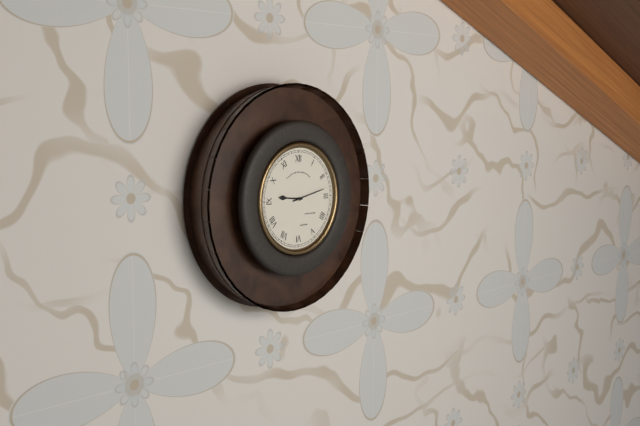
**9:13**
